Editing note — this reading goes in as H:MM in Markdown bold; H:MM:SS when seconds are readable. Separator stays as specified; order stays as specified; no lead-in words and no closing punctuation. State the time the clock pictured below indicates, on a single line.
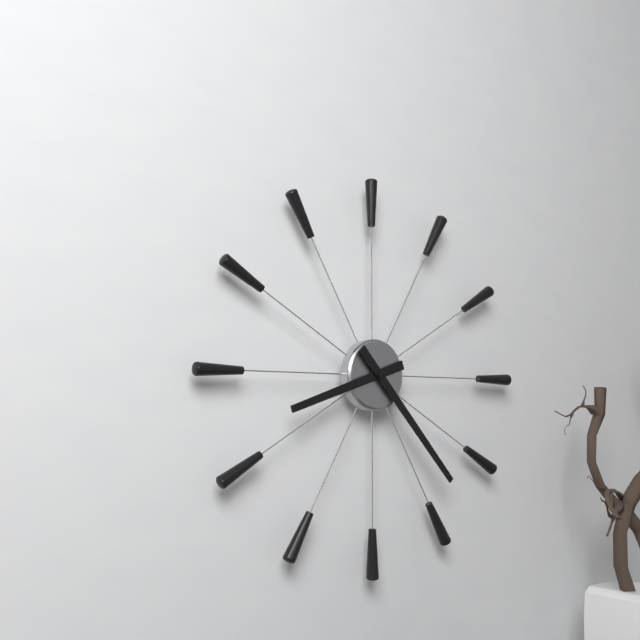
**8:23**
